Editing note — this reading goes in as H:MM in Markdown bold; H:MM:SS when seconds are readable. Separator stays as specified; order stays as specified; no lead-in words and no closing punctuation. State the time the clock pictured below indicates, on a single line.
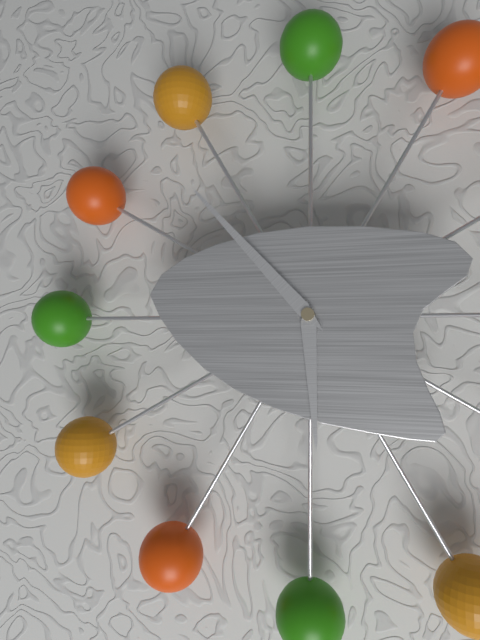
**5:53**
